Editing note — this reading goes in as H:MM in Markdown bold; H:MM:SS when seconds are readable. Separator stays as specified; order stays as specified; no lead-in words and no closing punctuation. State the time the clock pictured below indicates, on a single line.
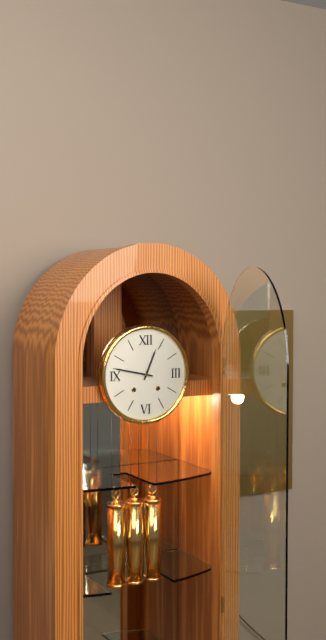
**12:47**
